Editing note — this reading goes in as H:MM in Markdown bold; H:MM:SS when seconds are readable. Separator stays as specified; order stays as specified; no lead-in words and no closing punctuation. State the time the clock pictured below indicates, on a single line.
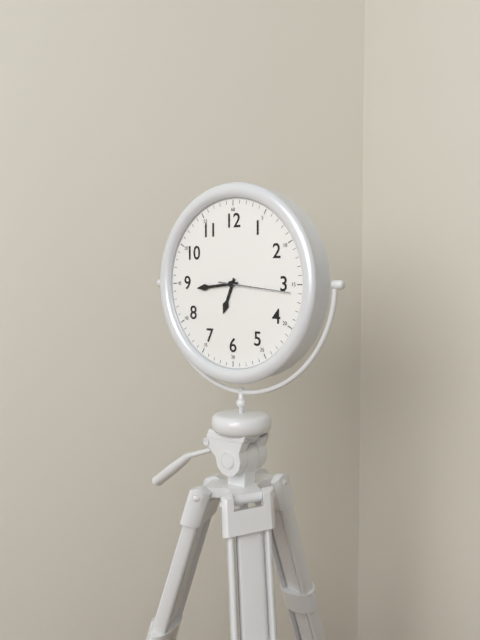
**6:44:16**
